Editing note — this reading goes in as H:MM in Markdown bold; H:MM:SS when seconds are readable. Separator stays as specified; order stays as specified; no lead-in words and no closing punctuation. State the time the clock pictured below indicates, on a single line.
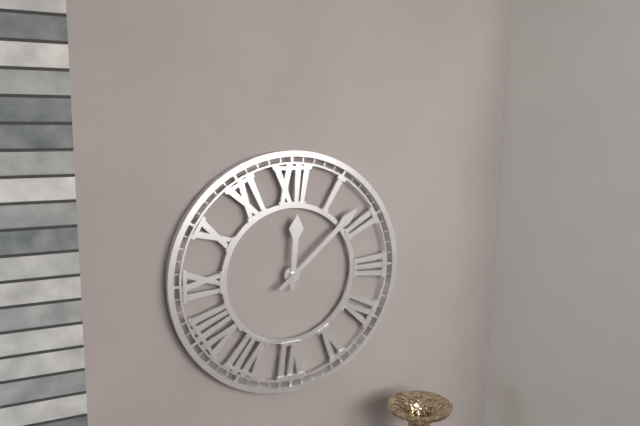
**12:08**
